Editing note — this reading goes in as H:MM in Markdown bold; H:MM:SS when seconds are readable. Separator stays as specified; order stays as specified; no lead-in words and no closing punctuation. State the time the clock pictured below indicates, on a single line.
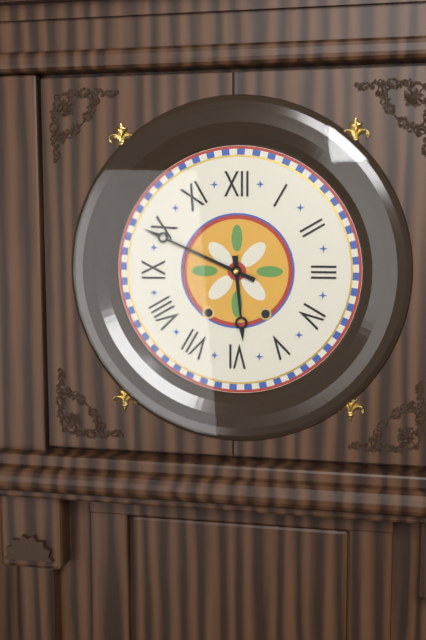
**5:49**
